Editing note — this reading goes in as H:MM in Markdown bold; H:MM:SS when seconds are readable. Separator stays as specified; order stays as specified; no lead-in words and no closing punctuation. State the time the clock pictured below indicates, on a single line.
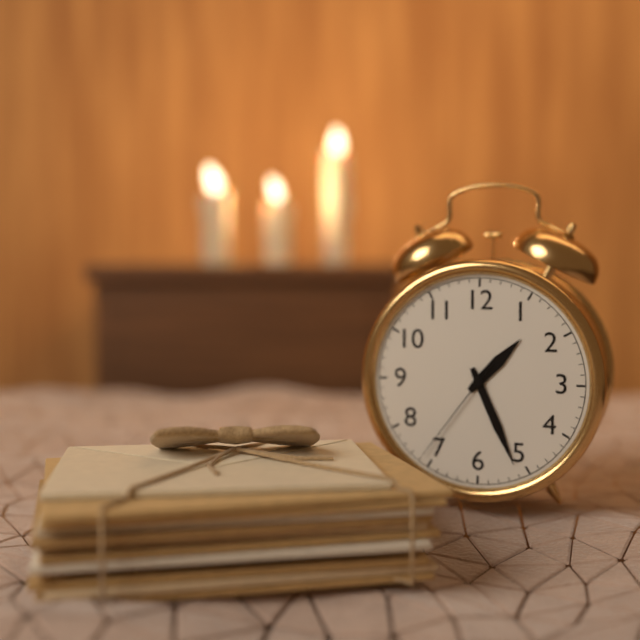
**1:26:36**
